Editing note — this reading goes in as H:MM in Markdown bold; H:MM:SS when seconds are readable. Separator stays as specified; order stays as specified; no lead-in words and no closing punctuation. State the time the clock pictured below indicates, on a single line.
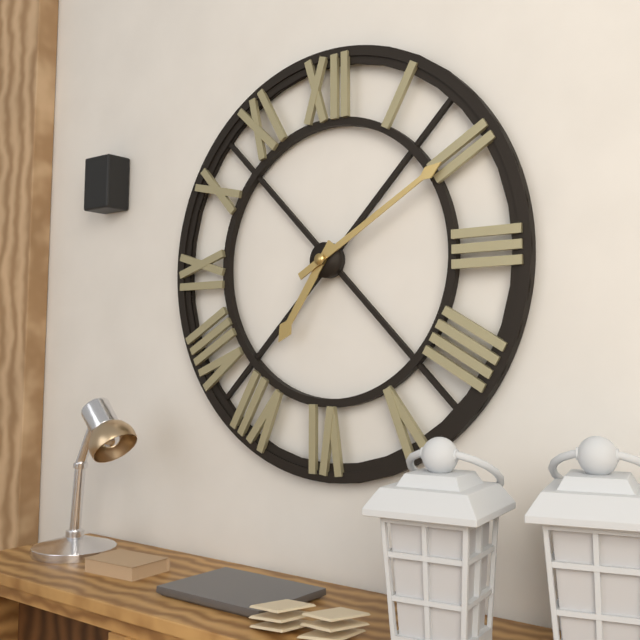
**7:10**
